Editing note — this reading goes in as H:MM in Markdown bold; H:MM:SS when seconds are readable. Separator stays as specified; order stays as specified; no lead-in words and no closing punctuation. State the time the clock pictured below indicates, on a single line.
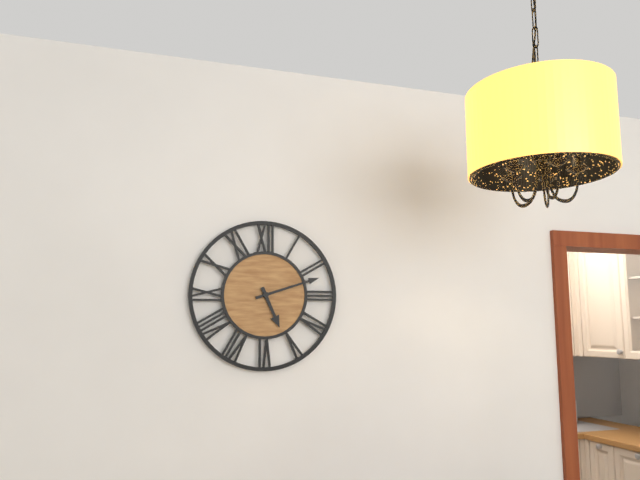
**5:12**
